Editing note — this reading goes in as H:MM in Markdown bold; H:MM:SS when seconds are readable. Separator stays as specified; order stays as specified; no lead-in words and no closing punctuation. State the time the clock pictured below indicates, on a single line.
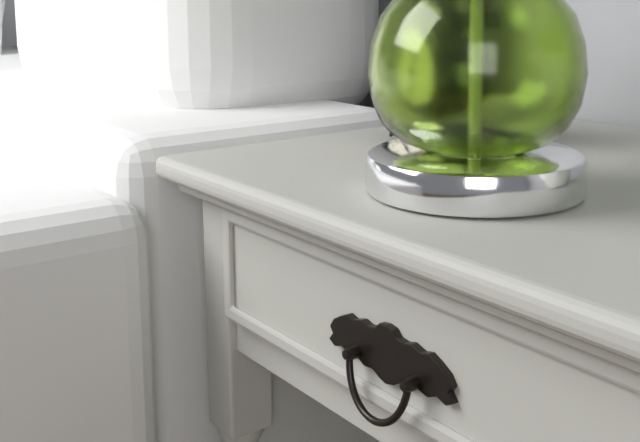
**12:32**
